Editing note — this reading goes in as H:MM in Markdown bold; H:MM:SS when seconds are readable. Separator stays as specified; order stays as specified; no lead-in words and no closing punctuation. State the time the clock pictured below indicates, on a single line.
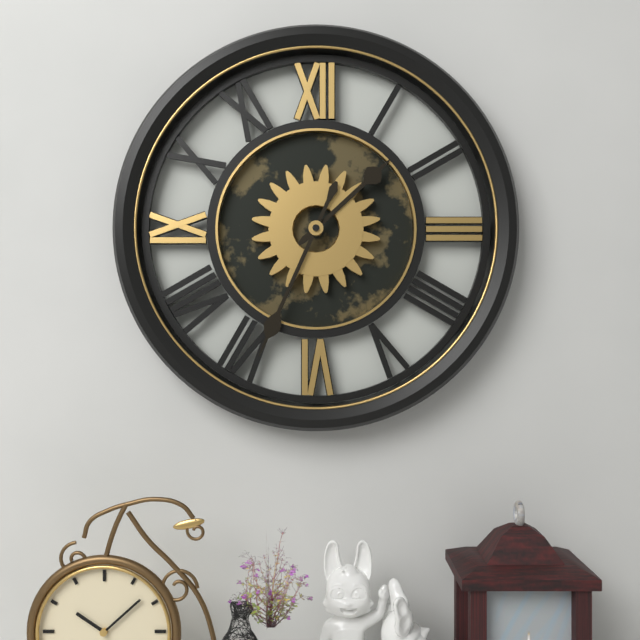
**1:34**
